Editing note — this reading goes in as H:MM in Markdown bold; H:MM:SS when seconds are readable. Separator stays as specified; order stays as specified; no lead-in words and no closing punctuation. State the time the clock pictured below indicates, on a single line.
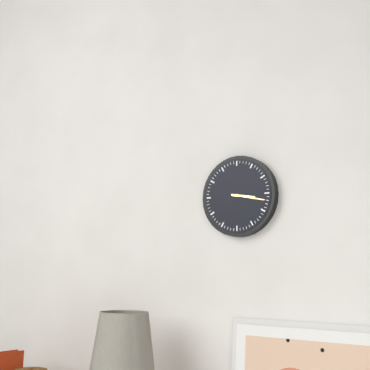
**3:17**
